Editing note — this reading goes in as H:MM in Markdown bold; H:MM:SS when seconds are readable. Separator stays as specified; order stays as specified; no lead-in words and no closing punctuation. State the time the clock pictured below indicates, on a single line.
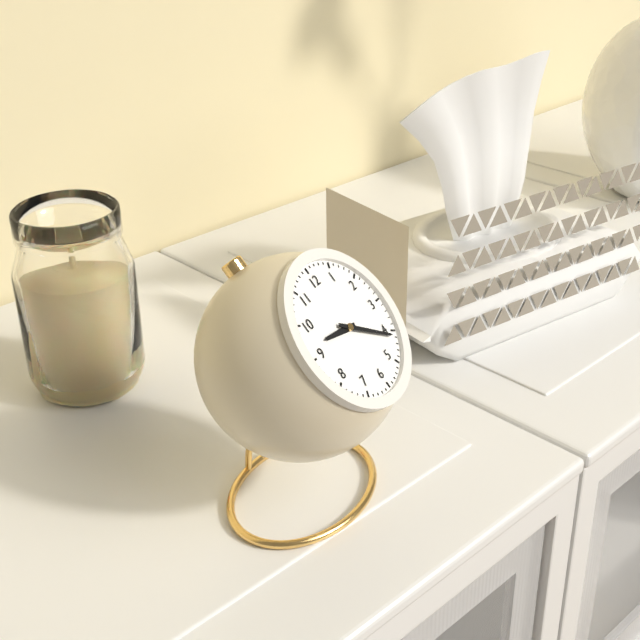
**9:21**
